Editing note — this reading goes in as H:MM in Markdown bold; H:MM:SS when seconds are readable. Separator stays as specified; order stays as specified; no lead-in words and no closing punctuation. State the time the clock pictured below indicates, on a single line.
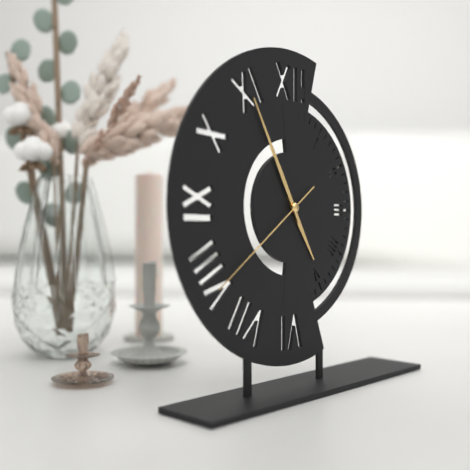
**4:55:39**
